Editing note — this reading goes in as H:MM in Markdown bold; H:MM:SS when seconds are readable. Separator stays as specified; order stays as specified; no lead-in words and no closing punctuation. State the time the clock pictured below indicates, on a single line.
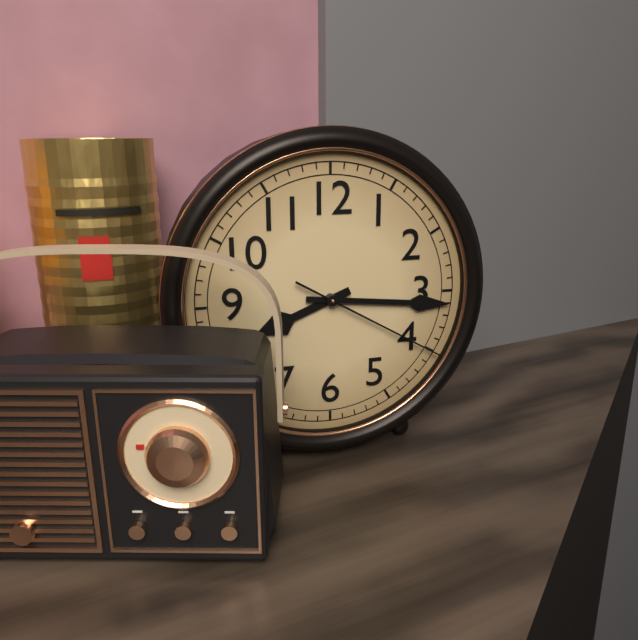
**8:16:20**
